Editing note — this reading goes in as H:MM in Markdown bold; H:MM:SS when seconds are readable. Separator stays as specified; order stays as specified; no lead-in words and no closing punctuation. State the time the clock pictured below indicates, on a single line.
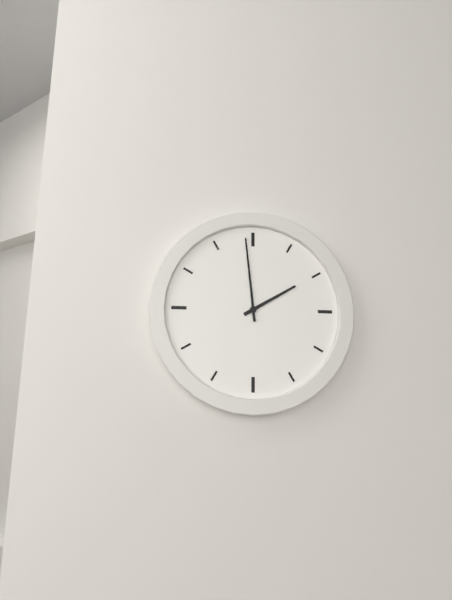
**1:59**
